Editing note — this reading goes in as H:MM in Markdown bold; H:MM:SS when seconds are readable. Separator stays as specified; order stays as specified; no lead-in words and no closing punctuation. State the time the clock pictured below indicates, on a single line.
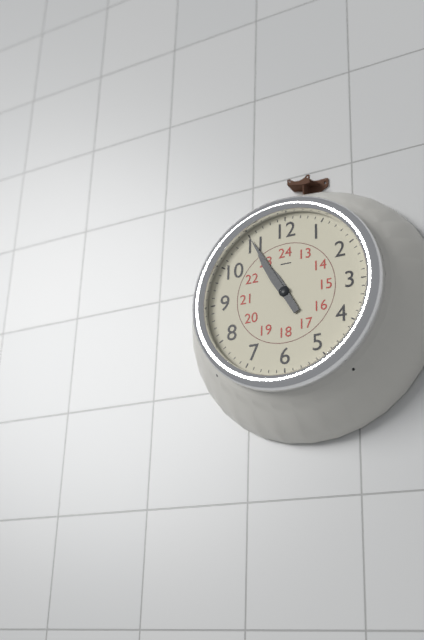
**10:55**
